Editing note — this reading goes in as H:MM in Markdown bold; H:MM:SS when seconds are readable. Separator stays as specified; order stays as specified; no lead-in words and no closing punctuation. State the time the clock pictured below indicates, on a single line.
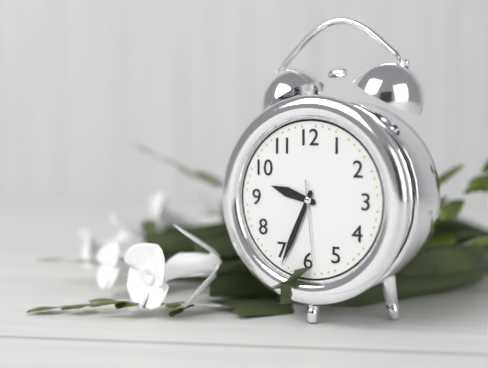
**9:34:29**
